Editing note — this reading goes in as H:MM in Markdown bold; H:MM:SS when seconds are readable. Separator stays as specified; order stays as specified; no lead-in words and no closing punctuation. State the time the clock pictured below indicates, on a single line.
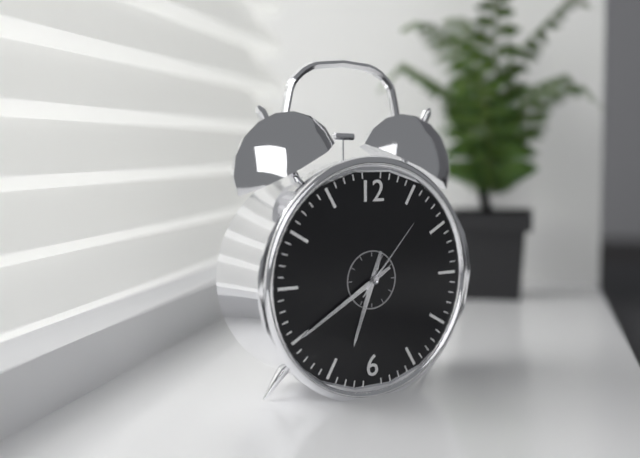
**6:40:07**
